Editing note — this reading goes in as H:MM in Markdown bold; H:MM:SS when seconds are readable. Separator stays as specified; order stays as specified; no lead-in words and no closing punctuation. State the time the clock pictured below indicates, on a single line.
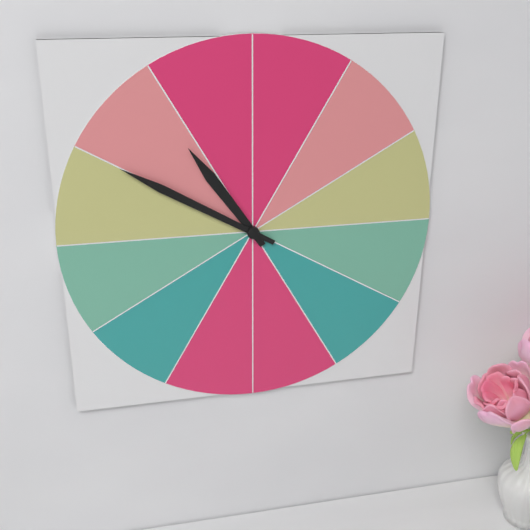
**10:50**
